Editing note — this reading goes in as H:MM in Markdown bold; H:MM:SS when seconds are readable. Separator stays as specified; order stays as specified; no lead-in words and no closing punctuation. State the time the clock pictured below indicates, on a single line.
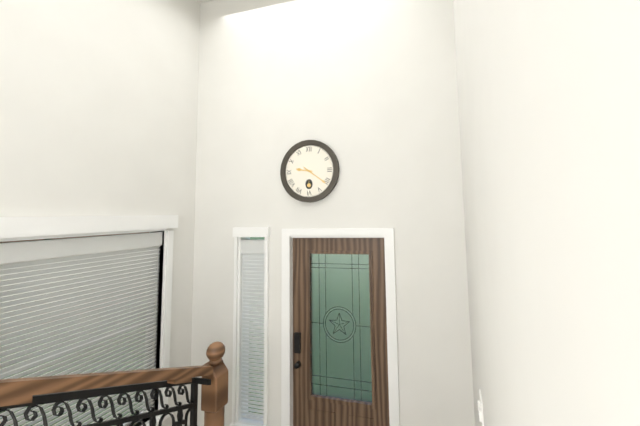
**9:21**
